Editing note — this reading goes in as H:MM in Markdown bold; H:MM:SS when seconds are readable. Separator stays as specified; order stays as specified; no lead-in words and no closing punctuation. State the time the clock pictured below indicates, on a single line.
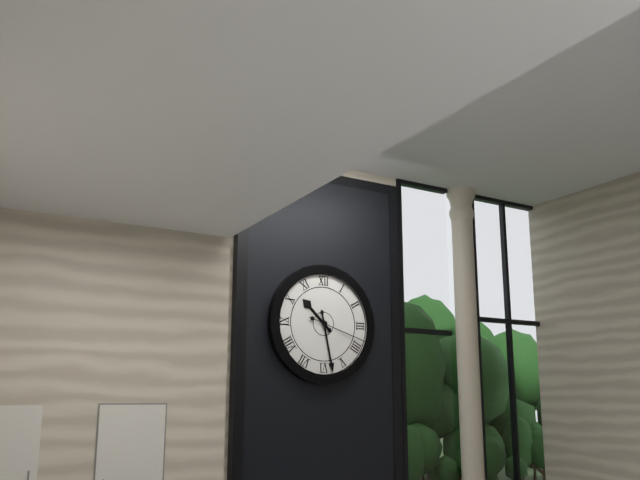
**10:28:18**
